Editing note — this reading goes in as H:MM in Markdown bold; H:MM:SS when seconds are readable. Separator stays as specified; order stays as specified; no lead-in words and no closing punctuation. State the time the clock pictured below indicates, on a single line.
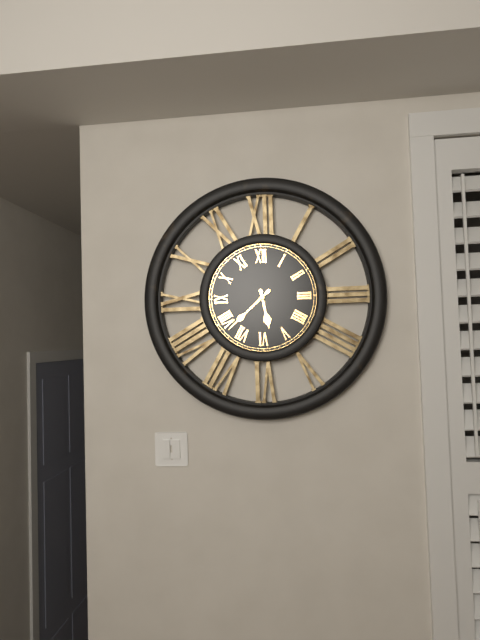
**5:38**
